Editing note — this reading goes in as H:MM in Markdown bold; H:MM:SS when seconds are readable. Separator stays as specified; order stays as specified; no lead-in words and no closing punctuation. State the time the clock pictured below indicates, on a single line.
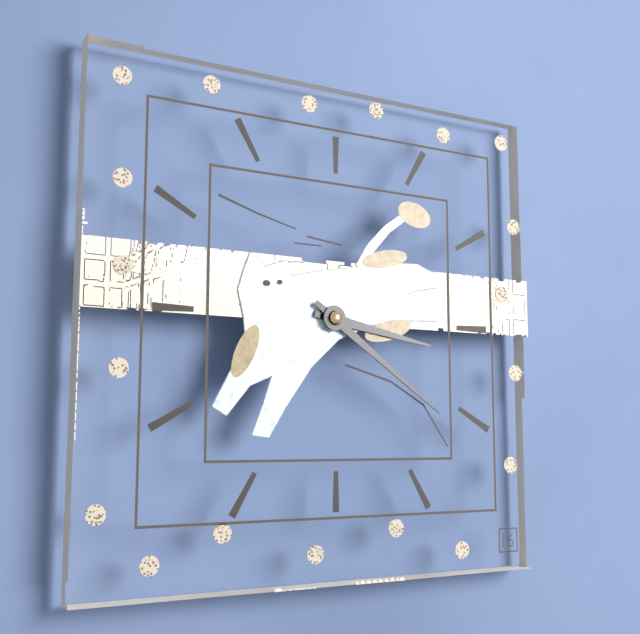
**3:21**
